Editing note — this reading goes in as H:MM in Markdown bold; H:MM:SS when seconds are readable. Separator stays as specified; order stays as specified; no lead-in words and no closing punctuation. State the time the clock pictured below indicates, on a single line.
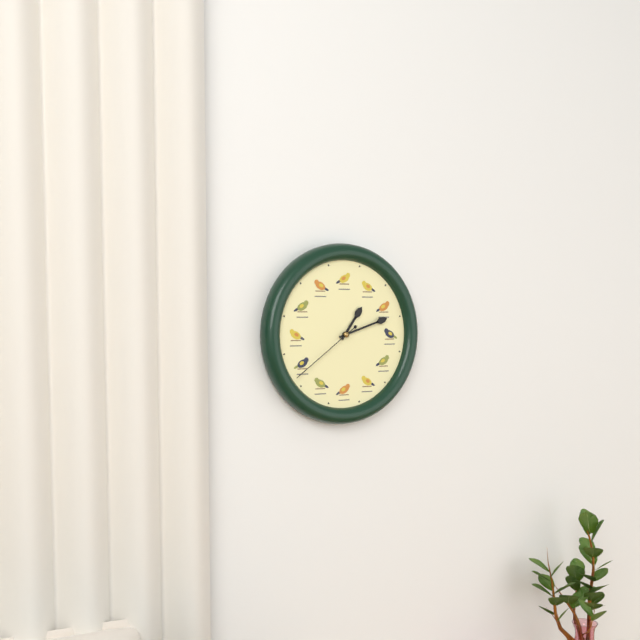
**1:12:39**
